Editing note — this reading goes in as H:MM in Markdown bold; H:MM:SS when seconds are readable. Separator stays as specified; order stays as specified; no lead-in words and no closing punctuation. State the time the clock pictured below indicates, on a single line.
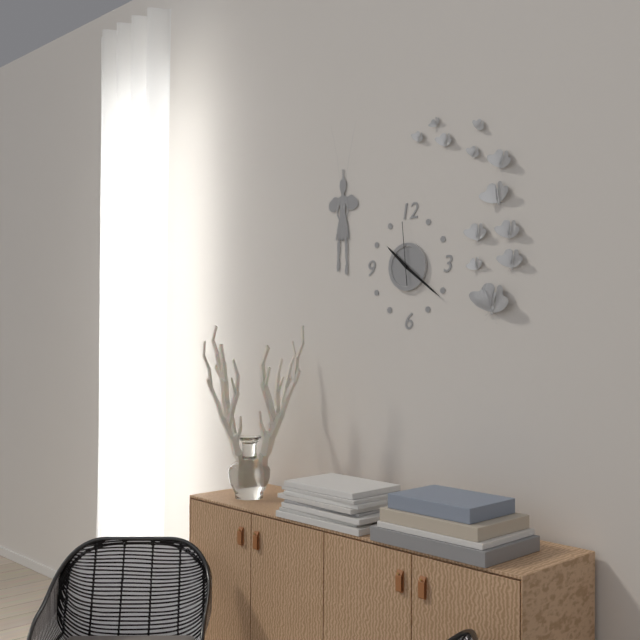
**10:21:59**
